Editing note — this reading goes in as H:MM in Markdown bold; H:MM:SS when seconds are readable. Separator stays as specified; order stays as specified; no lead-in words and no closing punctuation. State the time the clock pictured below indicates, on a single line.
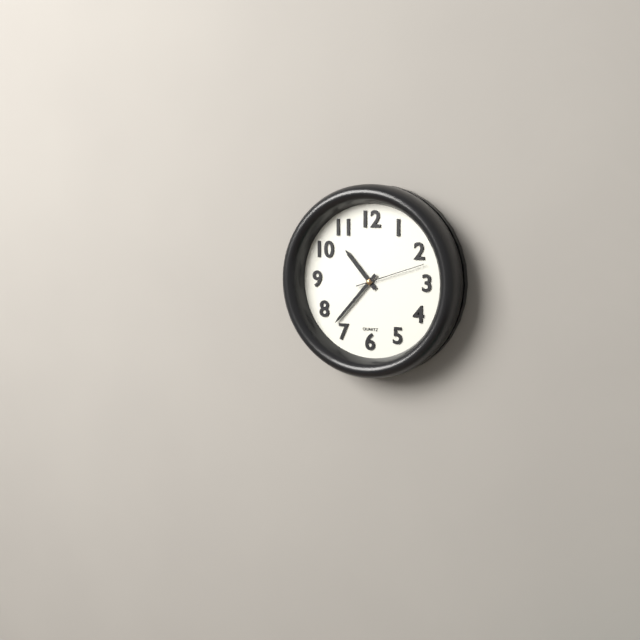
**10:37:12**
